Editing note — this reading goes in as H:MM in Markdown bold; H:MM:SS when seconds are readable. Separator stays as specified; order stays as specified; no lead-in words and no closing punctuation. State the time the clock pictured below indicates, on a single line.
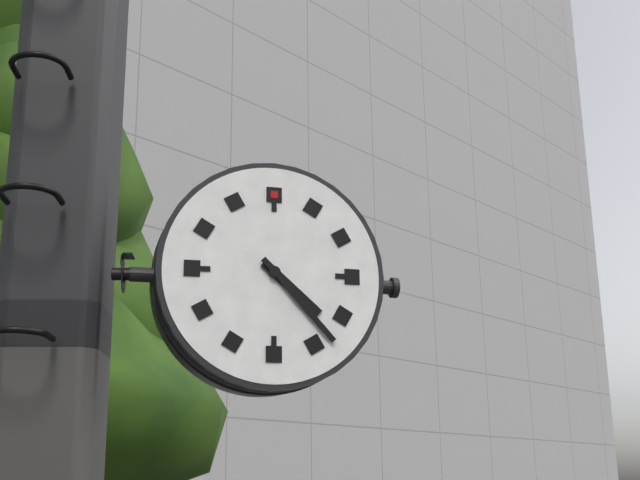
**4:23**
